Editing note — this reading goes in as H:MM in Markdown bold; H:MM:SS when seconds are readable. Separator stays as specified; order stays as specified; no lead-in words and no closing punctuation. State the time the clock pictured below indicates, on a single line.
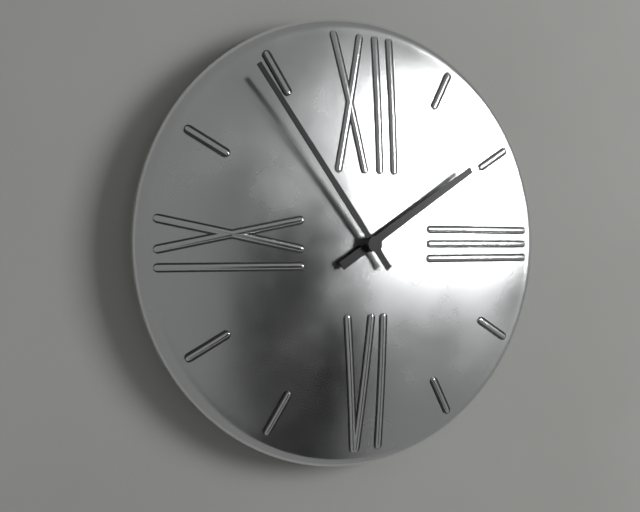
**1:54**
